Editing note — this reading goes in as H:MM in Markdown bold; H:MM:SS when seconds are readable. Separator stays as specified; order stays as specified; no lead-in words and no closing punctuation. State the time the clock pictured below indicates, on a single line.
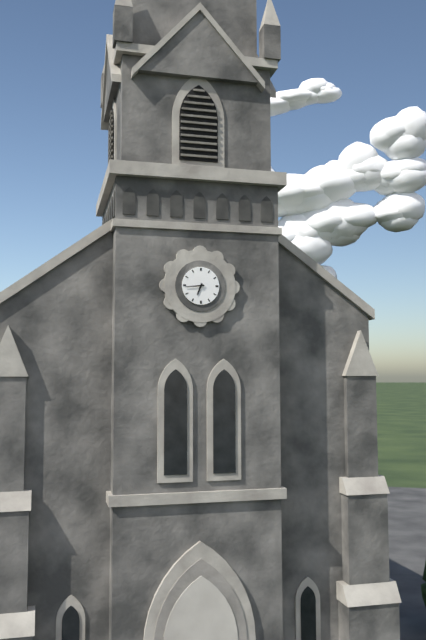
**6:44**
